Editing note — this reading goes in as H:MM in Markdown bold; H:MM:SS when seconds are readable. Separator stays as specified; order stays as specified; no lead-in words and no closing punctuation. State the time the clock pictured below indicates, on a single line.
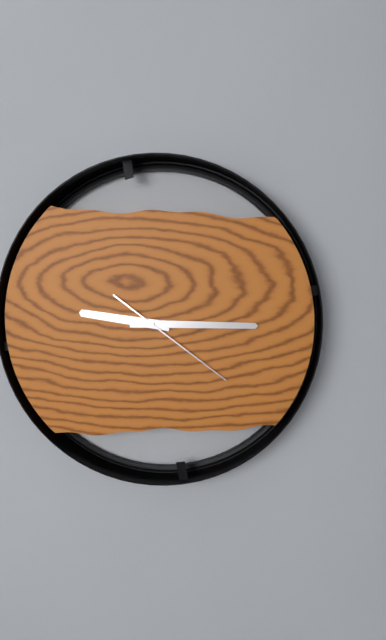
**9:15:21**
